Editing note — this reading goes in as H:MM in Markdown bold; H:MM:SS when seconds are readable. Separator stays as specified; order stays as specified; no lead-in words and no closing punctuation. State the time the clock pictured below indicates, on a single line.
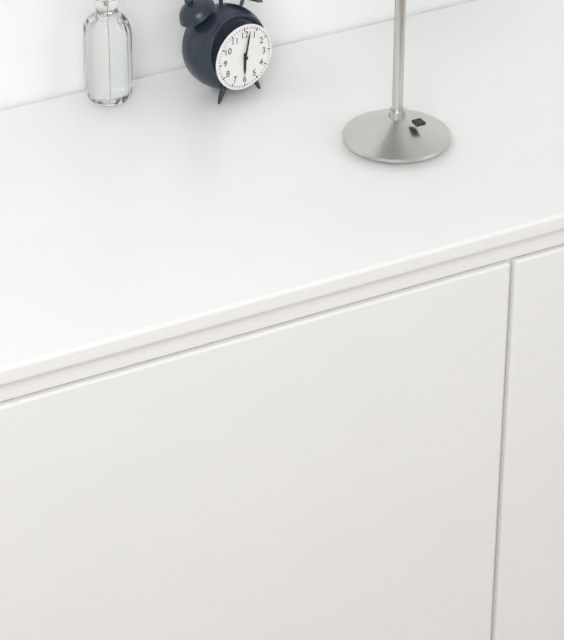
**6:02**
